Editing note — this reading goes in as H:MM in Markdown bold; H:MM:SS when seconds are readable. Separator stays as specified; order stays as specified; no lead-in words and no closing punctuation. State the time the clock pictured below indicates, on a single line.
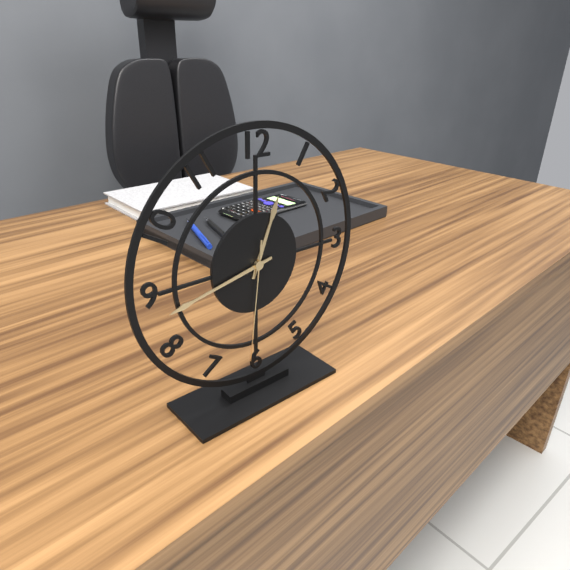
**12:43:31**
